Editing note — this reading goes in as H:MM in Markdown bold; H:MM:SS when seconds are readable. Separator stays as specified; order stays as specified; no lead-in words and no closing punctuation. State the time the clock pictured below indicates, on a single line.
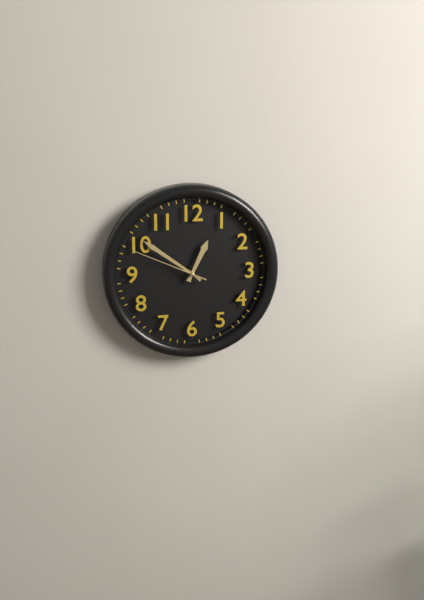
**12:51:49**
